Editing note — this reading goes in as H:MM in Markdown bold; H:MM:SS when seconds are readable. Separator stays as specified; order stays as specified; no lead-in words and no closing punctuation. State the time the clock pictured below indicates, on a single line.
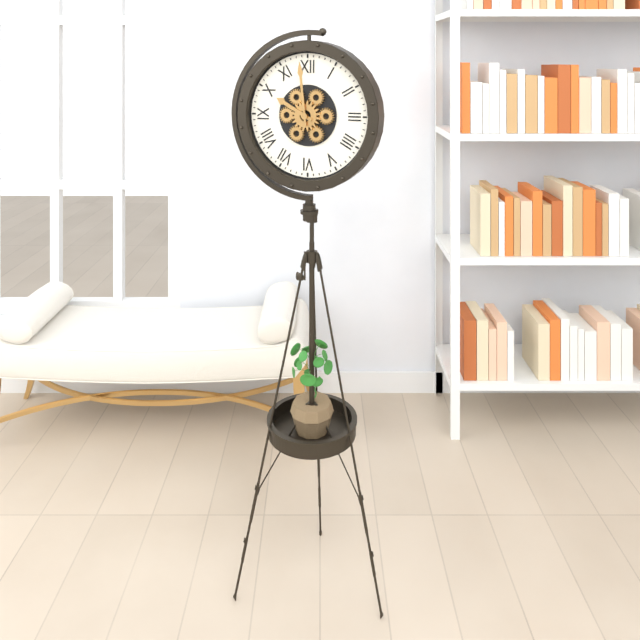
**9:59**
